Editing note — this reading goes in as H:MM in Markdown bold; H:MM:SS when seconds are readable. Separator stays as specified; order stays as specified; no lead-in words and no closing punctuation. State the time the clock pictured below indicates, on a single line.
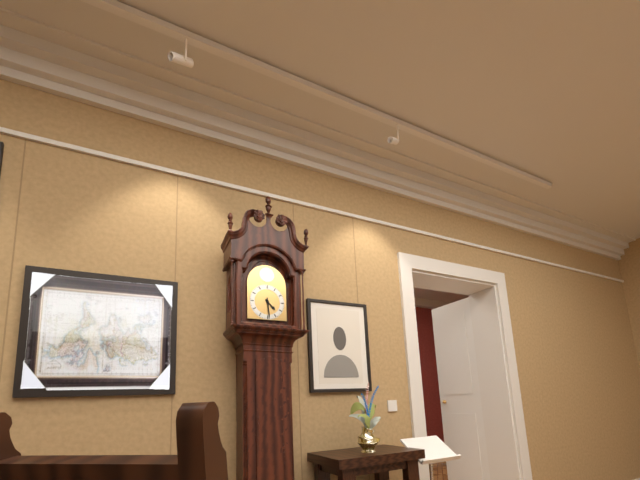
**4:29**
